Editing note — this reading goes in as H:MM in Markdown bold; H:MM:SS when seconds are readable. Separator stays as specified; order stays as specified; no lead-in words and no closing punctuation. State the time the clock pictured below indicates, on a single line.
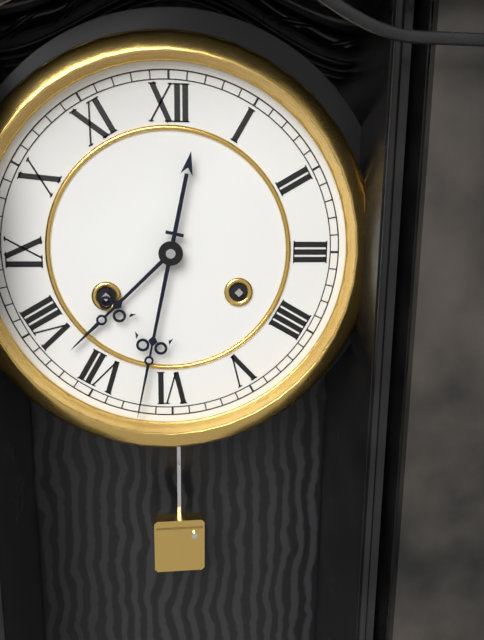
**7:32**
